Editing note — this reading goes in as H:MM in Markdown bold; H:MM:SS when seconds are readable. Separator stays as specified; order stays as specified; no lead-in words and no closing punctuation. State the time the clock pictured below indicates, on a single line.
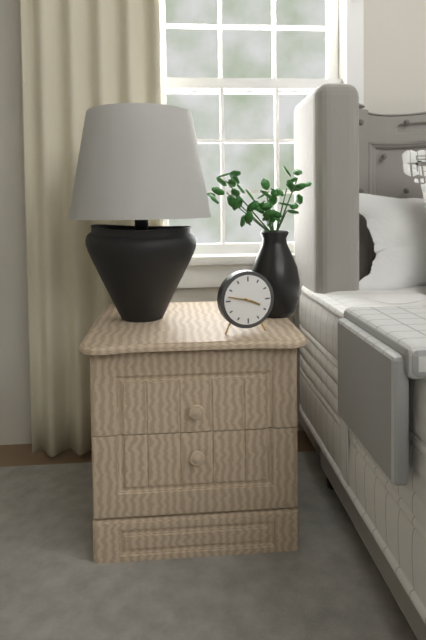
**3:47**
